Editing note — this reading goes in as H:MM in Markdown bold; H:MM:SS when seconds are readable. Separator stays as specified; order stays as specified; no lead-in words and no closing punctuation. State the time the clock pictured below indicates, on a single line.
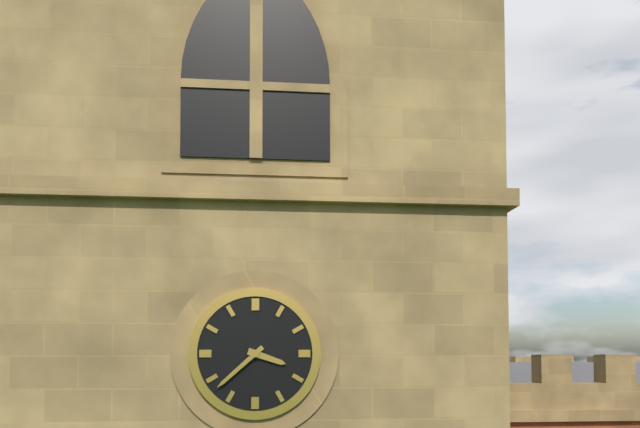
**3:38**
